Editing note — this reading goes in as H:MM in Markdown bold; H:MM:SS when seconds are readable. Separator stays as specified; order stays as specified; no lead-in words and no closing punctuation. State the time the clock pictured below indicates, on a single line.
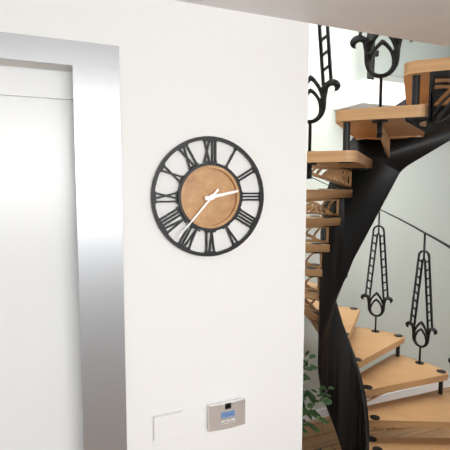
**2:37**
